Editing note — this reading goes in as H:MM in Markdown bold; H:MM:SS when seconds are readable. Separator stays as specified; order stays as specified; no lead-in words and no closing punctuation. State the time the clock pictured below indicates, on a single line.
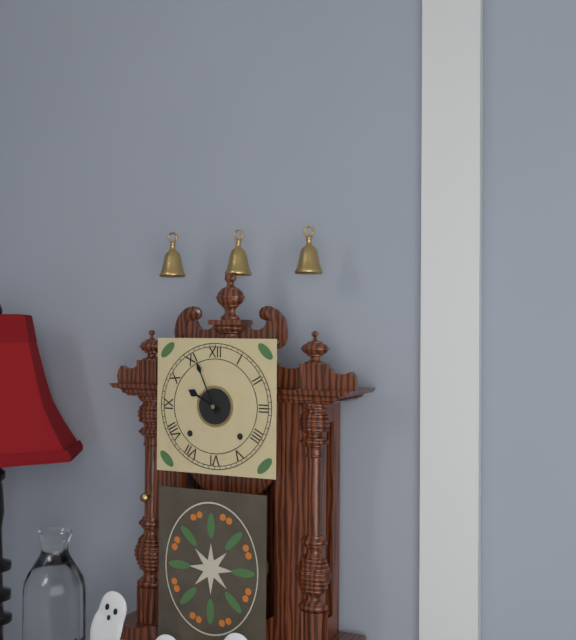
**9:56**
